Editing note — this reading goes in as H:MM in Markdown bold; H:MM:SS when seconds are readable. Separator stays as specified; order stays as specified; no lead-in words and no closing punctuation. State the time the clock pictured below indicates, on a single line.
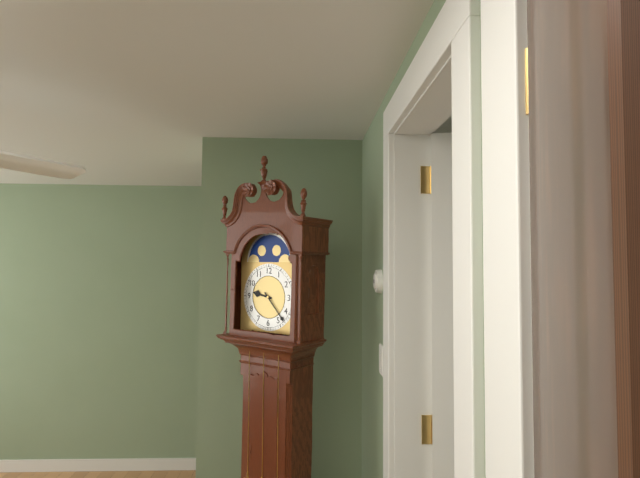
**9:23**
